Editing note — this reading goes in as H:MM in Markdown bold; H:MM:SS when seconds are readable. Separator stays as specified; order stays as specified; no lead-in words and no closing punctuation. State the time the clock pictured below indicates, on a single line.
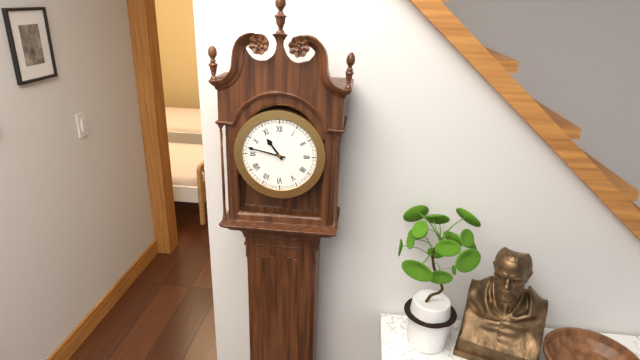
**10:47**
